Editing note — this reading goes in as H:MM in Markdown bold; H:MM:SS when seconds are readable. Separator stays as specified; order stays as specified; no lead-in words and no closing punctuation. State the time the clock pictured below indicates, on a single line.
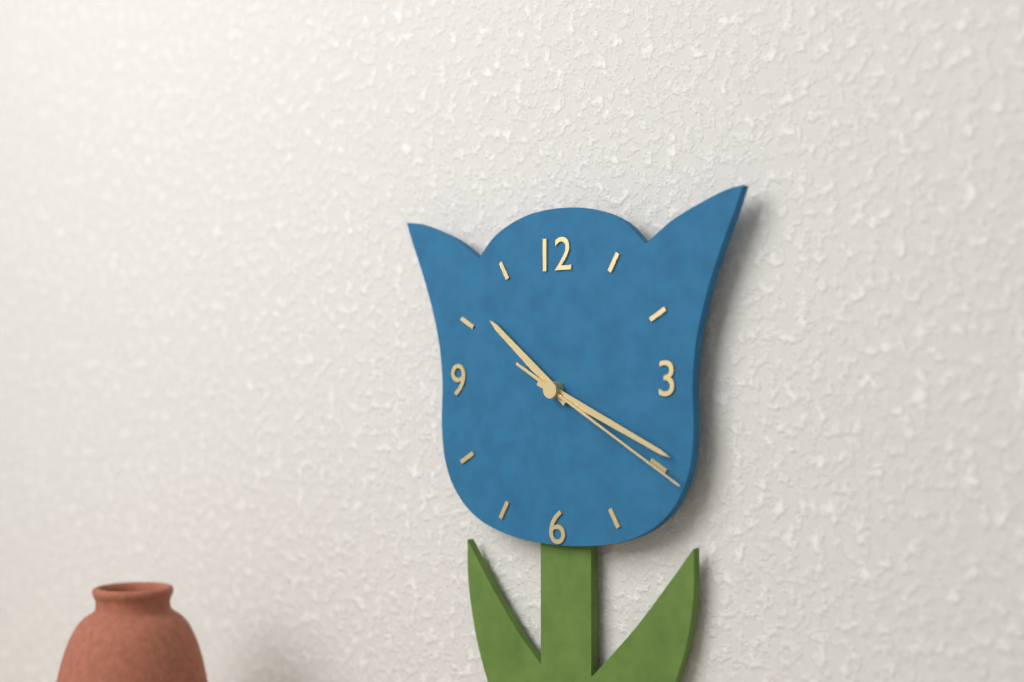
**10:19:20**
